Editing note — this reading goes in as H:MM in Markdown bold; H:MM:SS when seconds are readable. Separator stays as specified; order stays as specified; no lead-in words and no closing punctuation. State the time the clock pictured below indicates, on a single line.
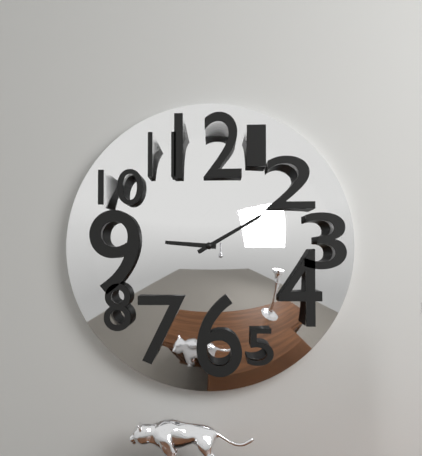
**9:10**
